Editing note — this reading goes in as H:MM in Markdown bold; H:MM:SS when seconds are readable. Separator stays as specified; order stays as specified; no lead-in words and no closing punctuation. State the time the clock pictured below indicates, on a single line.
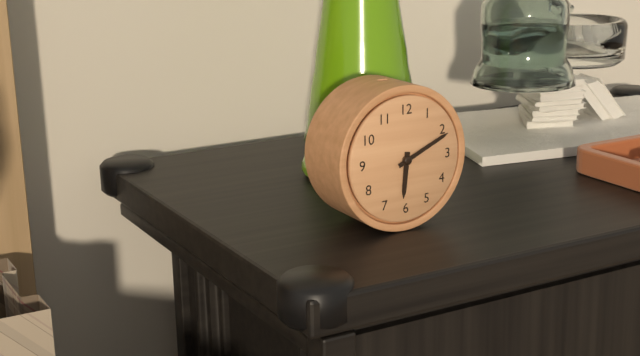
**6:11**
